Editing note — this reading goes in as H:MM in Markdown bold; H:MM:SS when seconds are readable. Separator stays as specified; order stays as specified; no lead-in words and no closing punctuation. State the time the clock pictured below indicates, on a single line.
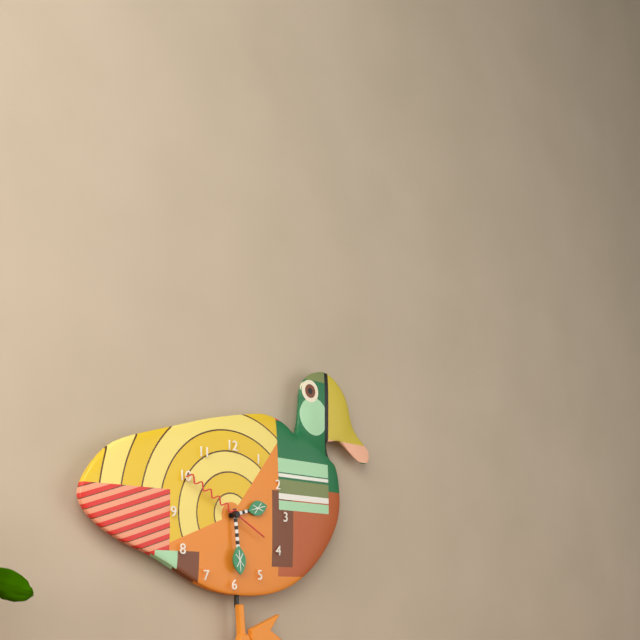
**2:29:50**
